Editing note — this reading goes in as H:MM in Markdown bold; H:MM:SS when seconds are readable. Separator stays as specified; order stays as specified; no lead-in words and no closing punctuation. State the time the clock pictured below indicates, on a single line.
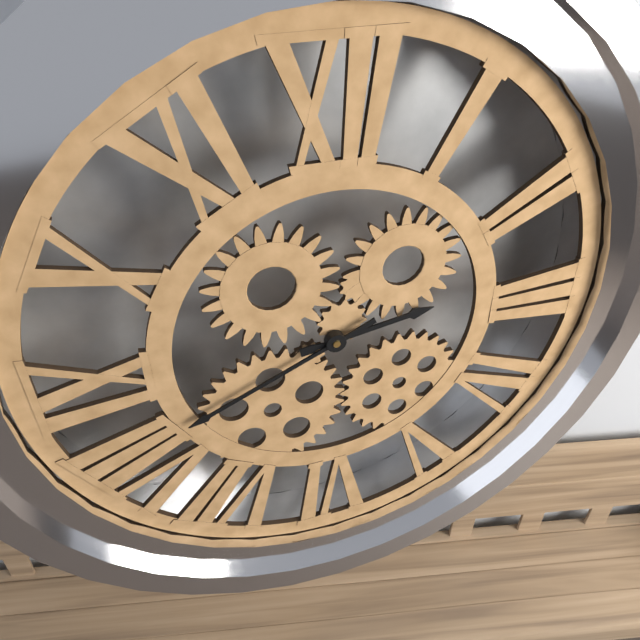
**2:41**
